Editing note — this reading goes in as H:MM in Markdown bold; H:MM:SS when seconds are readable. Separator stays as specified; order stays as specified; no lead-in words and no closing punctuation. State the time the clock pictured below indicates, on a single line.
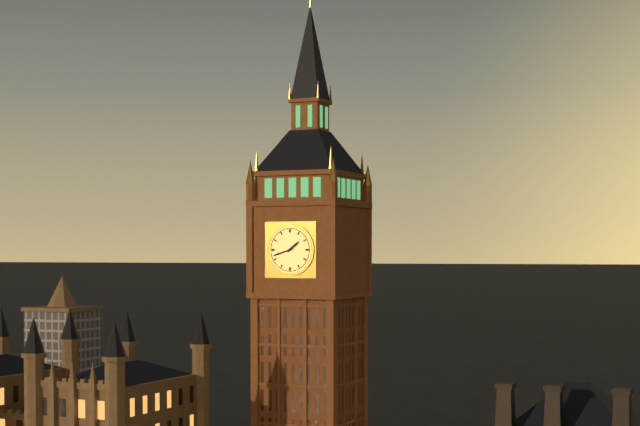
**1:42**
